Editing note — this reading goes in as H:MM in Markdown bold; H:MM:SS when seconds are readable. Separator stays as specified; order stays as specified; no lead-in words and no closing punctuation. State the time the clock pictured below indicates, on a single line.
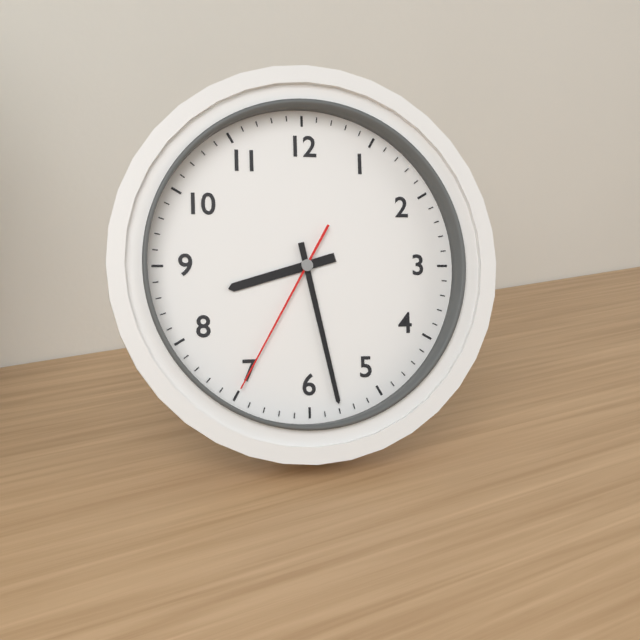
**8:28:35**
